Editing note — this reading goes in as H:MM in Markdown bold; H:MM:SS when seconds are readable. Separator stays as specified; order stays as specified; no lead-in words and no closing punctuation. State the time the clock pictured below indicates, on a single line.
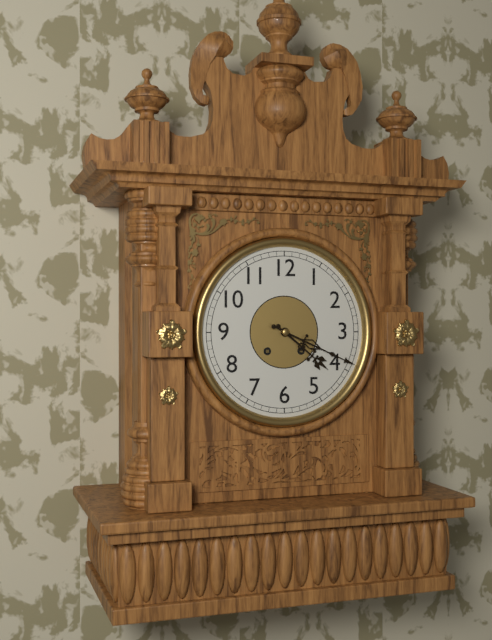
**4:19**
